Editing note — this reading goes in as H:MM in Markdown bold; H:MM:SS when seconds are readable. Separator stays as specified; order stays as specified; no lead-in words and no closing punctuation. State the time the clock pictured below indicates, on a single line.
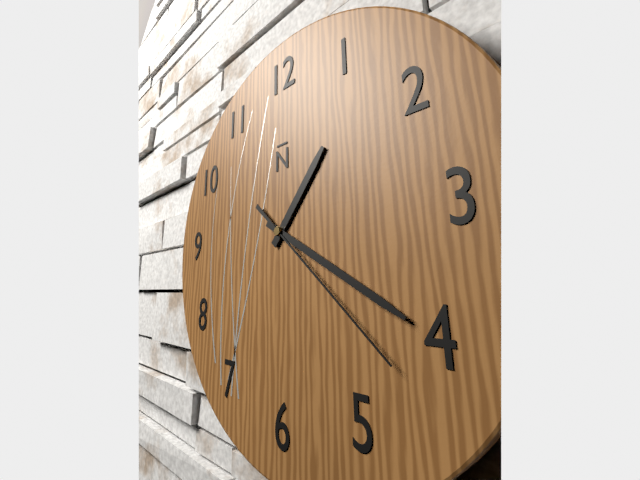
**1:20:22**
